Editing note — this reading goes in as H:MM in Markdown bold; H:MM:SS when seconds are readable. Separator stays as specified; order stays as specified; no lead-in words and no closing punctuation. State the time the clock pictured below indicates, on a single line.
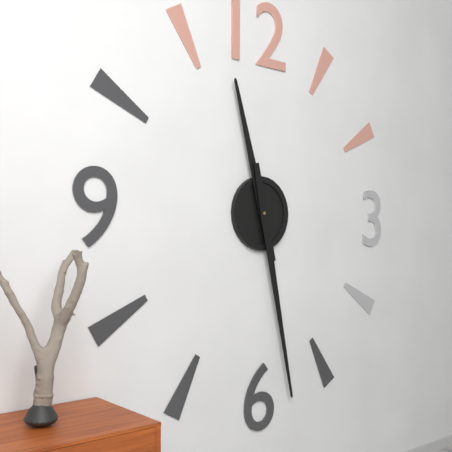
**11:28**
